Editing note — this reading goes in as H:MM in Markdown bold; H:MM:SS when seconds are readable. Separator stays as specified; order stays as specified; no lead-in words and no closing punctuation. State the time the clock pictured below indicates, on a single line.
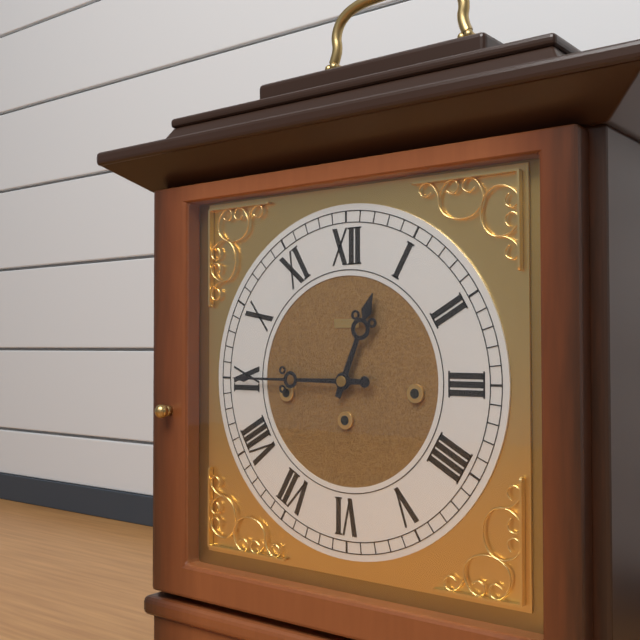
**12:45**
